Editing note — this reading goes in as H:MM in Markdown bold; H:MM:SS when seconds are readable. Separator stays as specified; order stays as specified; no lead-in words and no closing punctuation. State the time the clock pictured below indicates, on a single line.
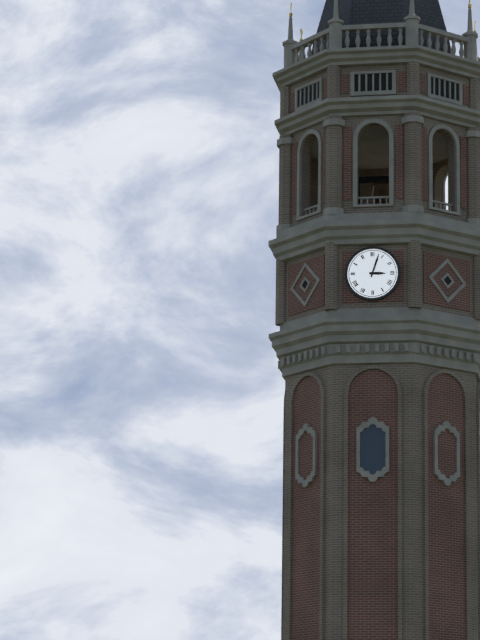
**3:03**
